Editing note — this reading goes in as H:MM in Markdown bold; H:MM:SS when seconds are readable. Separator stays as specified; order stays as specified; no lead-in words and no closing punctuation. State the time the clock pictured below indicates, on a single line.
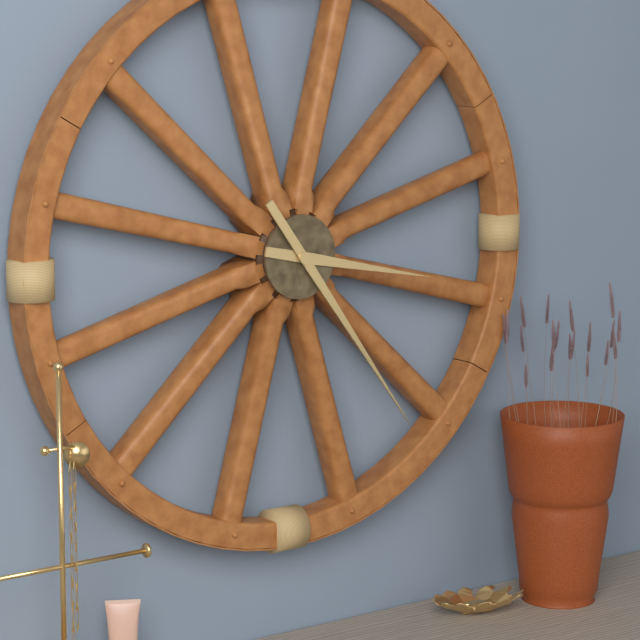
**3:24**
